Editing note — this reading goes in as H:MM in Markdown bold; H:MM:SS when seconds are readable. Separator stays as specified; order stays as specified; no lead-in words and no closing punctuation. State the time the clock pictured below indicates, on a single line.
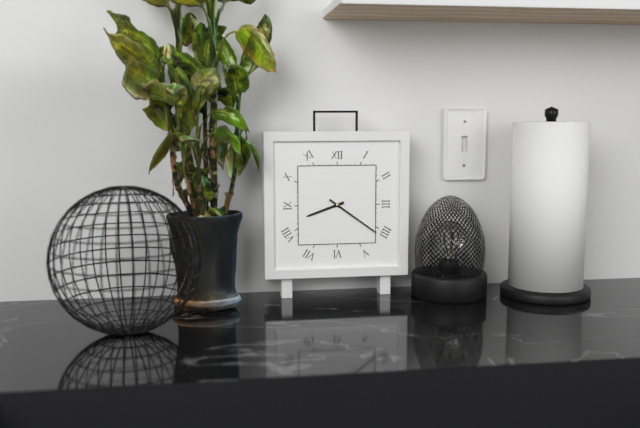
**8:21**
